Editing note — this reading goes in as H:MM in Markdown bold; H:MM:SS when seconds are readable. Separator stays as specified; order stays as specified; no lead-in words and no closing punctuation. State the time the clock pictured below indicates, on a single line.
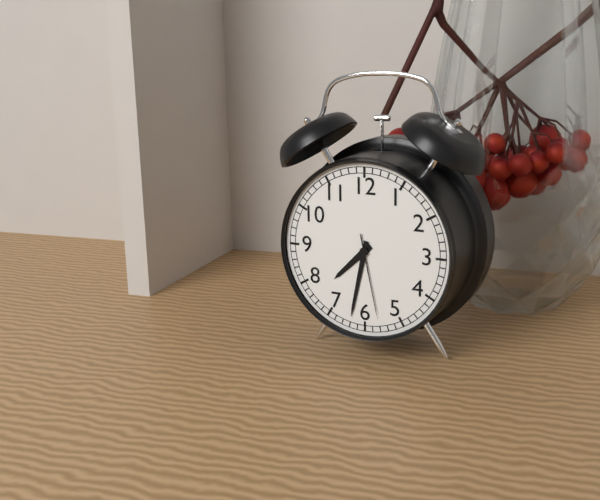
**7:32:28**
